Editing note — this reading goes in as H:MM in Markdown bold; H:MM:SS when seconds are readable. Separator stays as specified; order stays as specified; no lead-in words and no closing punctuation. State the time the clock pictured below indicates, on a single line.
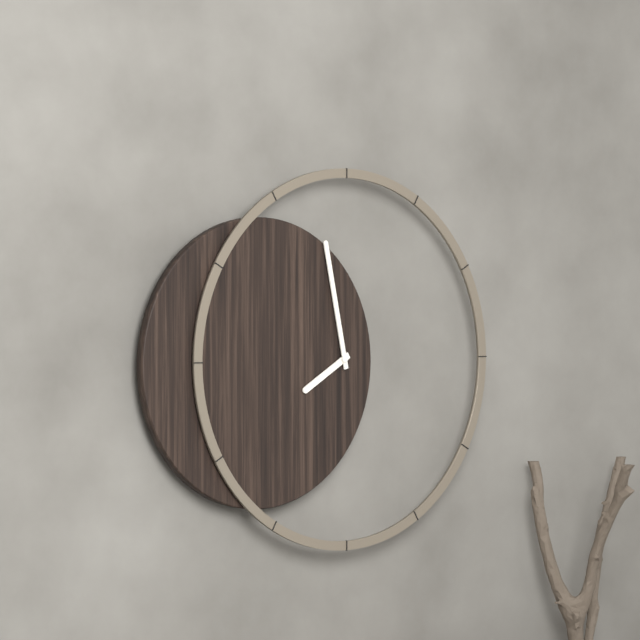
**7:58**
